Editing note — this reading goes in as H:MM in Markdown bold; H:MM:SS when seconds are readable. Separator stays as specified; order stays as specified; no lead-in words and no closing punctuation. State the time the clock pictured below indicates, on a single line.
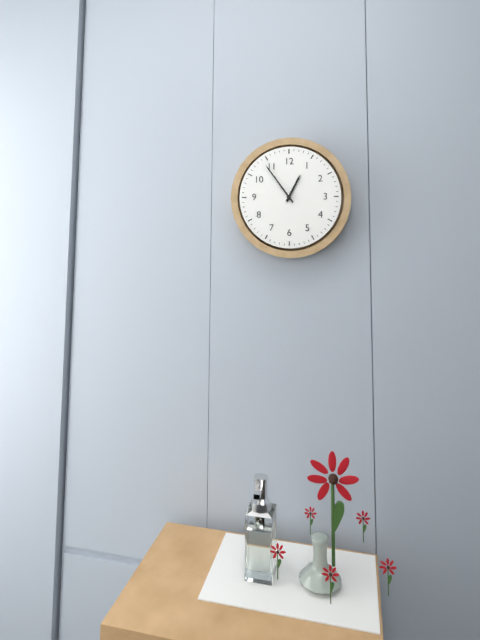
**12:54**
